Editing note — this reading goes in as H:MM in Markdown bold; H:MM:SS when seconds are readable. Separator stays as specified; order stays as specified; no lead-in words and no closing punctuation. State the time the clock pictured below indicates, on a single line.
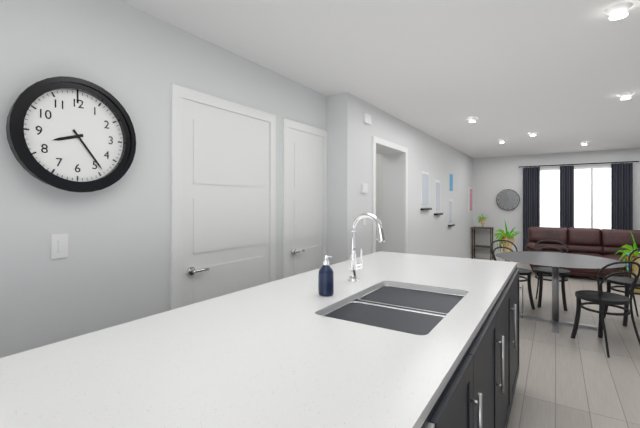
**8:24**
